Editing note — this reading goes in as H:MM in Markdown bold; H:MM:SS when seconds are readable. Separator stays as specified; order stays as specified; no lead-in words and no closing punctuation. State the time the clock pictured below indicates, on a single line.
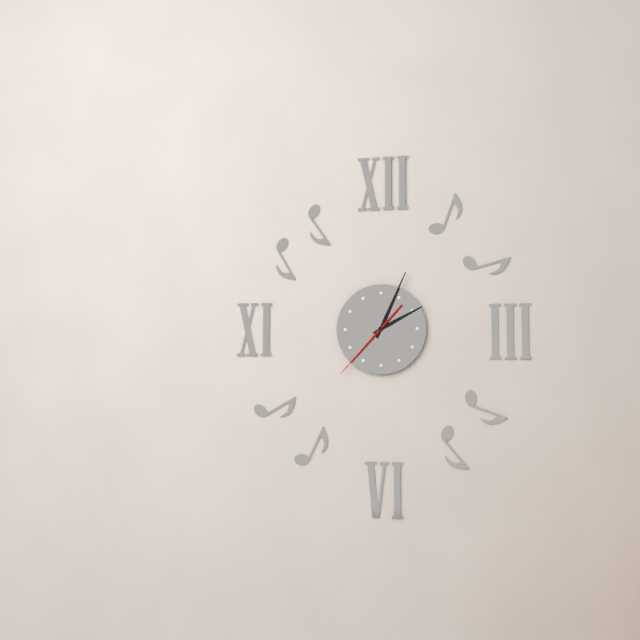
**2:04:37**
